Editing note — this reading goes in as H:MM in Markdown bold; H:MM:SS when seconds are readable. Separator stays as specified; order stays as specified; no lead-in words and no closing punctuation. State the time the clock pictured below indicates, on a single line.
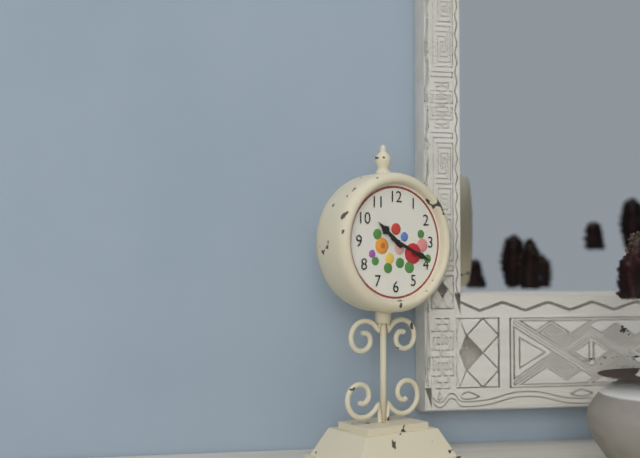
**10:19**
